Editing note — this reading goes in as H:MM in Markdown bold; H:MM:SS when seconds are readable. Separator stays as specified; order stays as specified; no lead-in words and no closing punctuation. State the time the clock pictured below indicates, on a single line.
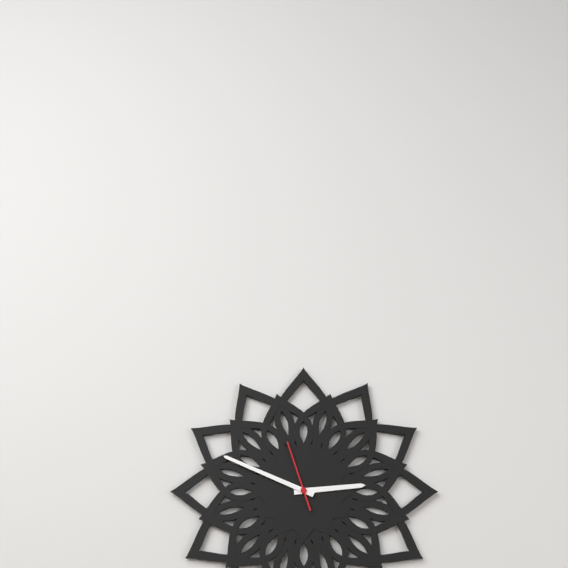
**2:49:57**
